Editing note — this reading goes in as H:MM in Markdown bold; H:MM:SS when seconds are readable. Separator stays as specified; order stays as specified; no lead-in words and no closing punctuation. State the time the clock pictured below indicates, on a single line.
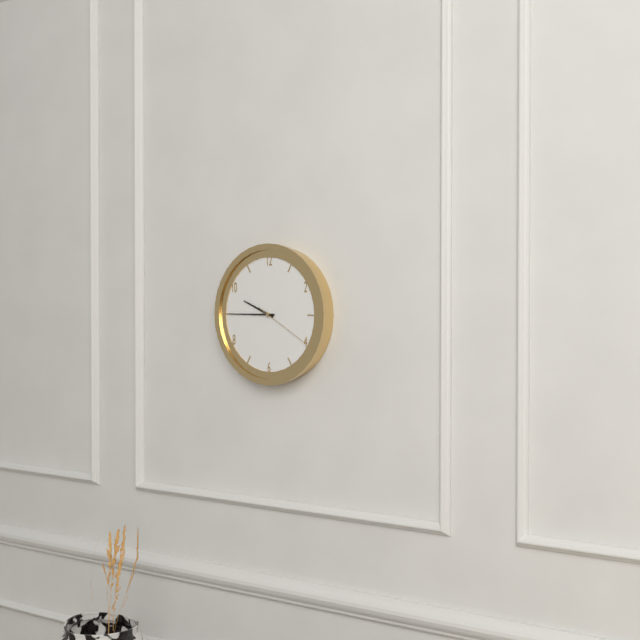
**9:45:20**
